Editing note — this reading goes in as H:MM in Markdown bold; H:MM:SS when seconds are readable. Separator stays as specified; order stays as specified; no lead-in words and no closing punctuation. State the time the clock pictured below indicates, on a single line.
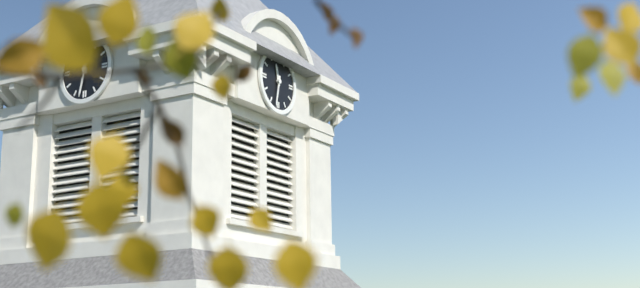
**11:32**
